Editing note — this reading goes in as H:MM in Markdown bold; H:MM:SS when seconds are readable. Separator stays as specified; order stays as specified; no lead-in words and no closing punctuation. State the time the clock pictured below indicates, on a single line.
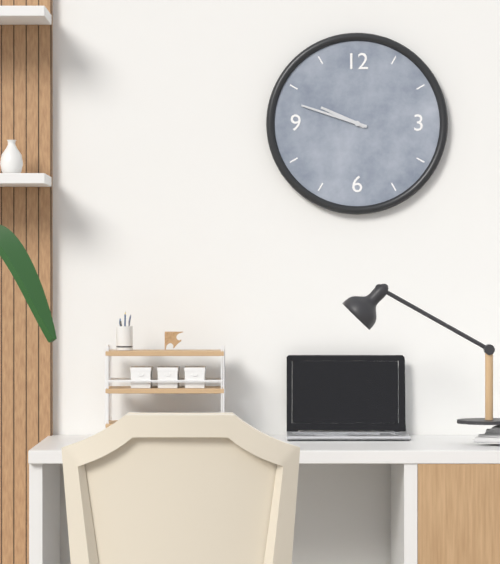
**9:48**
